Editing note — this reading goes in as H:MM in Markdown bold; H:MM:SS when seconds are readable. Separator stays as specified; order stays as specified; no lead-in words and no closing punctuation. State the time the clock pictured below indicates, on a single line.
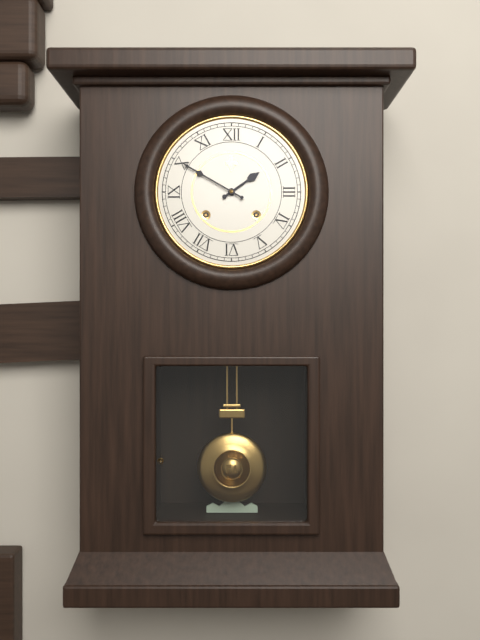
**1:50**
